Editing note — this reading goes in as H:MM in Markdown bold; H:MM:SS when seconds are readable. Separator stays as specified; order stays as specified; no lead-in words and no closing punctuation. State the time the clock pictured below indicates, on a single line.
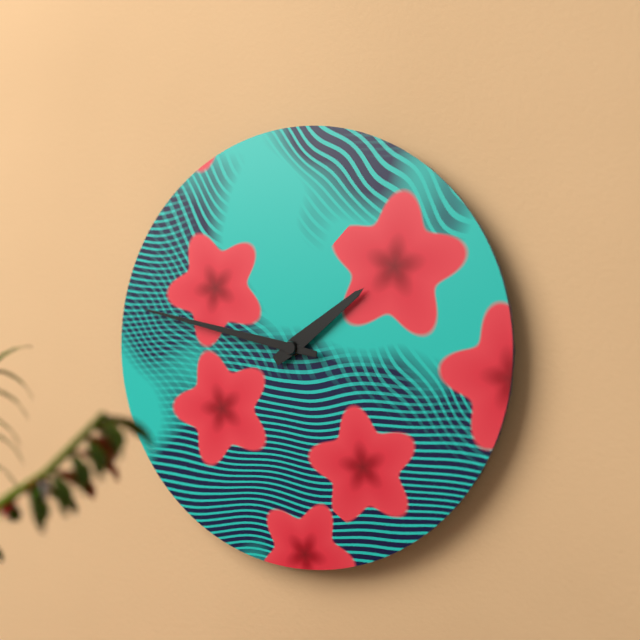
**1:47**
